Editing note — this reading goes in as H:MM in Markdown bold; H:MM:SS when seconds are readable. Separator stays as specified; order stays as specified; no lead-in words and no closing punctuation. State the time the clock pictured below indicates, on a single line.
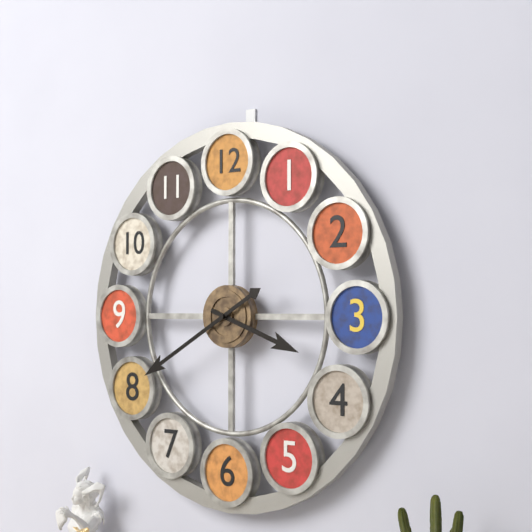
**3:40**
